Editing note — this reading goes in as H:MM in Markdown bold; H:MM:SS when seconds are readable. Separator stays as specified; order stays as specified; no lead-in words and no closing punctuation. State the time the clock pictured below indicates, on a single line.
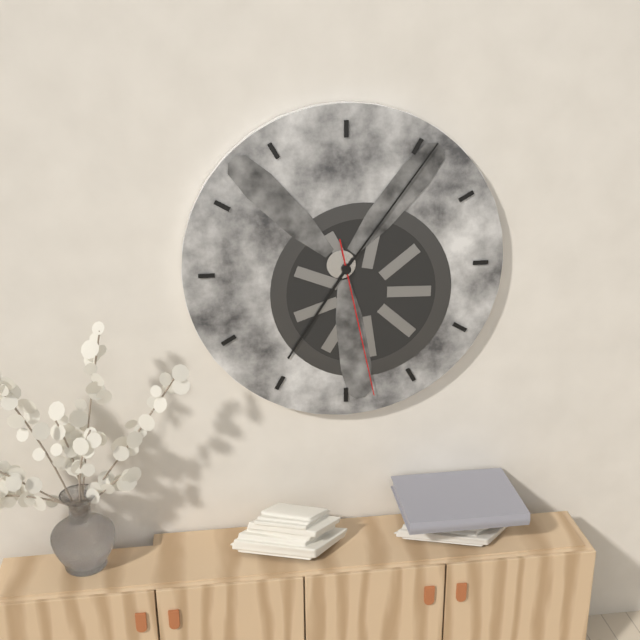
**7:06:28**
